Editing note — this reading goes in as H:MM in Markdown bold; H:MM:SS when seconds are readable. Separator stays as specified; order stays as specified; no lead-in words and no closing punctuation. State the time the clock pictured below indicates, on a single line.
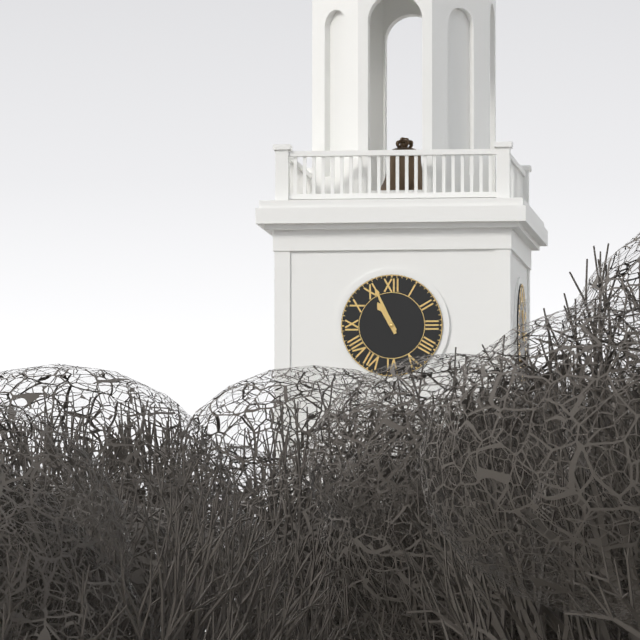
**10:56**
